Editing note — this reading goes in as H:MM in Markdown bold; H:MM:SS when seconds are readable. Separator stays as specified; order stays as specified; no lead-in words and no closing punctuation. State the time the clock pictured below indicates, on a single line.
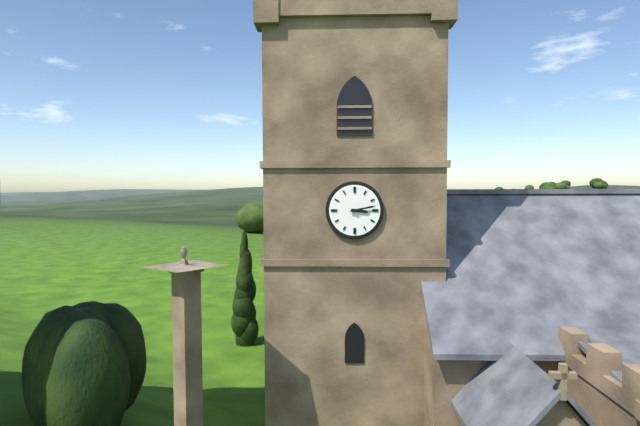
**3:13**
